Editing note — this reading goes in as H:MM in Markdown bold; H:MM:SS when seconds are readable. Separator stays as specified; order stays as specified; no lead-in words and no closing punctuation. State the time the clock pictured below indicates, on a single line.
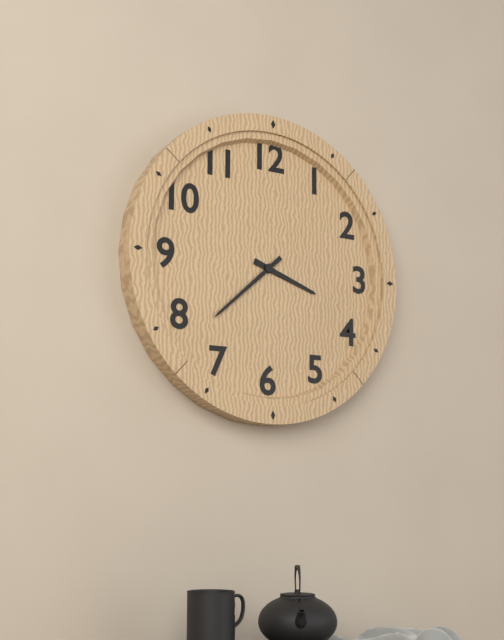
**3:38**
